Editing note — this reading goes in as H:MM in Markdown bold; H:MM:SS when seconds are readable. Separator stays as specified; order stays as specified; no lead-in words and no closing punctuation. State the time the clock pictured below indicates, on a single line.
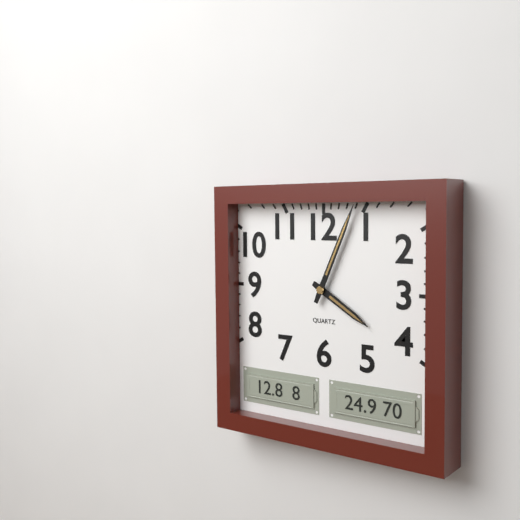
**4:04**
